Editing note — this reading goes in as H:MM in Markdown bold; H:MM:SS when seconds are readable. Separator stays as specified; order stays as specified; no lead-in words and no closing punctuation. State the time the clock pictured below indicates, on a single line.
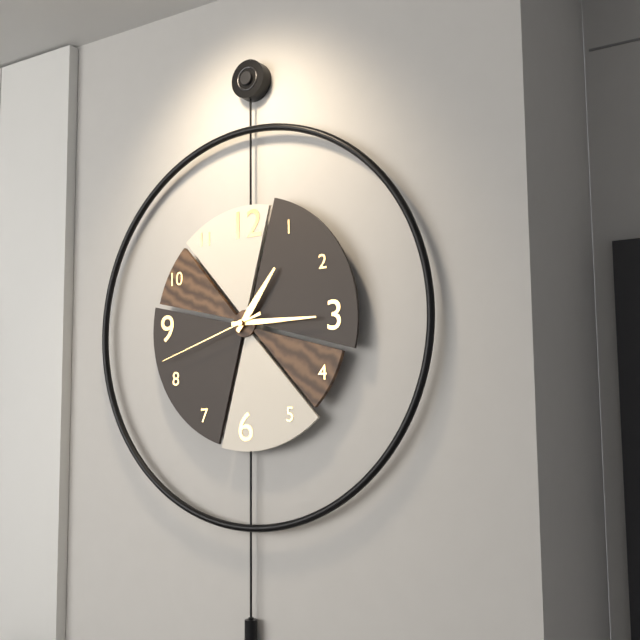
**1:15:42**
